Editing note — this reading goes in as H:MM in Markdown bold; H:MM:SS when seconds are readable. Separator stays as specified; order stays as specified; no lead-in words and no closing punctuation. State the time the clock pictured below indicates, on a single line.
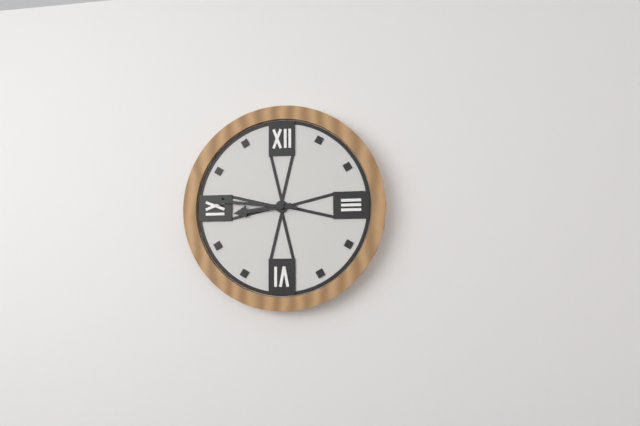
**8:46**
